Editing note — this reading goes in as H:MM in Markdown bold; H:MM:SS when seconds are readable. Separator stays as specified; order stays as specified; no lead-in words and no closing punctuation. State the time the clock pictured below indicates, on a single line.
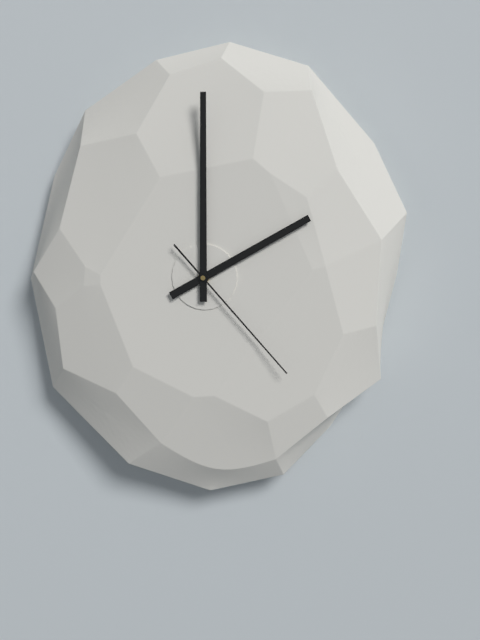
**2:00:23**
